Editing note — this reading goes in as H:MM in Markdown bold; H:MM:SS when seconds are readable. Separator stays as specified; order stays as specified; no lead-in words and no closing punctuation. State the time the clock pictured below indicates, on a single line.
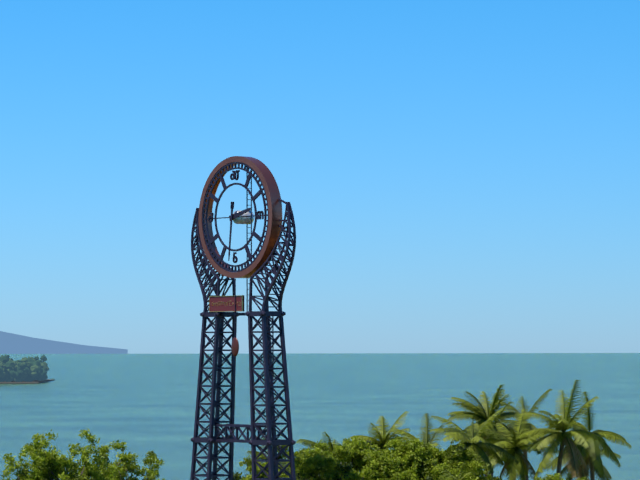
**2:31**
